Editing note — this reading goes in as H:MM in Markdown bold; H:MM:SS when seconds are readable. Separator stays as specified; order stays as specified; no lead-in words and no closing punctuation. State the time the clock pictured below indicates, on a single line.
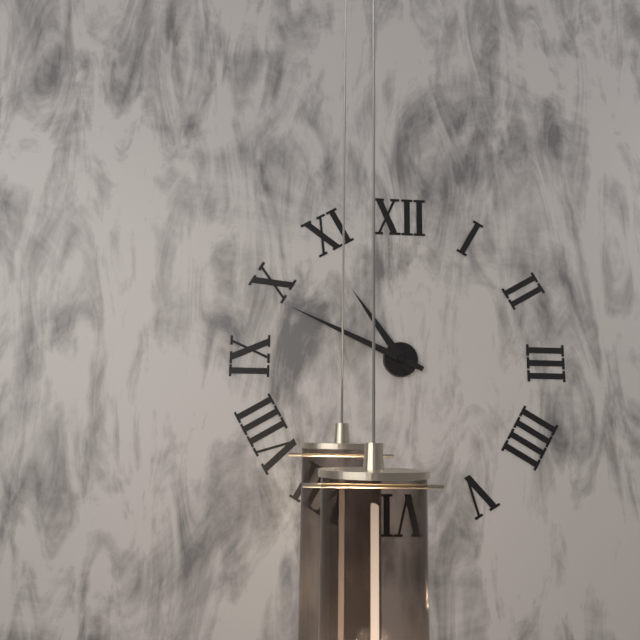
**10:49**
